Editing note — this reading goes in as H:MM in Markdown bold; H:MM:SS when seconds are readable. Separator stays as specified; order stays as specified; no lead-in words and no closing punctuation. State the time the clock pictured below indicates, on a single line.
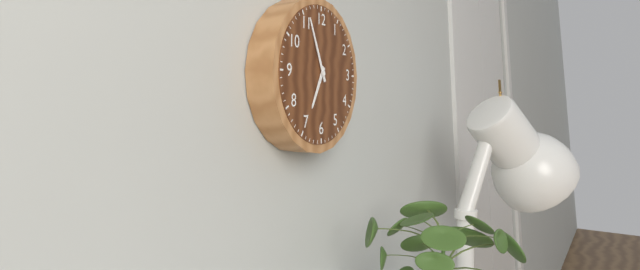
**6:56**
